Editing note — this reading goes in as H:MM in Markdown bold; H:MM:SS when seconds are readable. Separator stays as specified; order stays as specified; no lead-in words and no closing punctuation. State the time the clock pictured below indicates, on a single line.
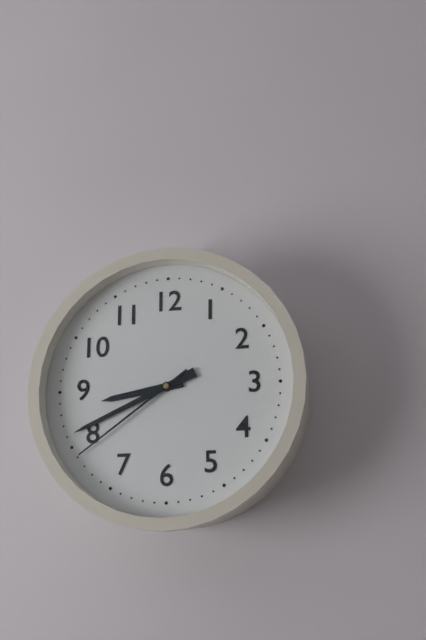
**8:41:39**
